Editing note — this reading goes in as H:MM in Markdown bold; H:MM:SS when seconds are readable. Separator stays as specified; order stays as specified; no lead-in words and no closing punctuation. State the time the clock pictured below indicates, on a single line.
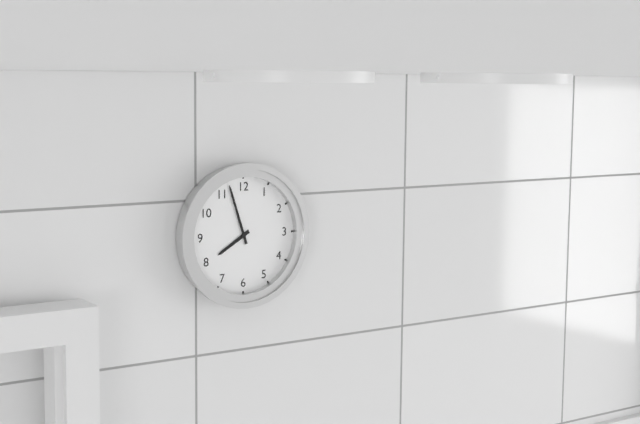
**7:57**
